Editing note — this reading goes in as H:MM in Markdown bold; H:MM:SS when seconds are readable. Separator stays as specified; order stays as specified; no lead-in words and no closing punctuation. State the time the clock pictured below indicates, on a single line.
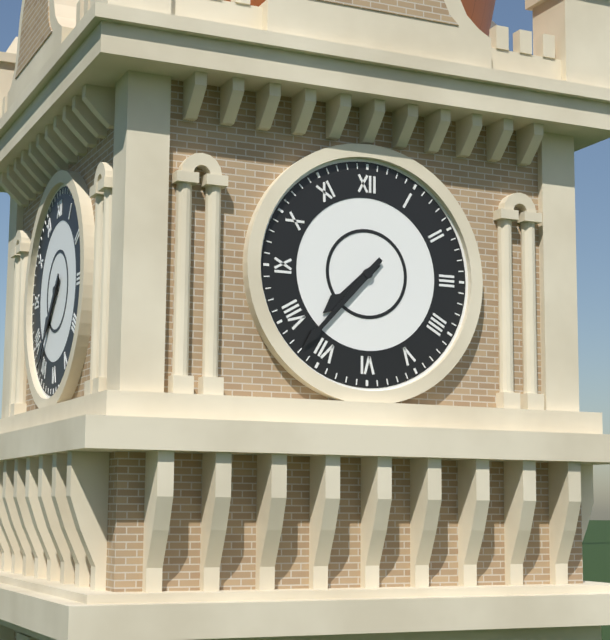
**7:37**
